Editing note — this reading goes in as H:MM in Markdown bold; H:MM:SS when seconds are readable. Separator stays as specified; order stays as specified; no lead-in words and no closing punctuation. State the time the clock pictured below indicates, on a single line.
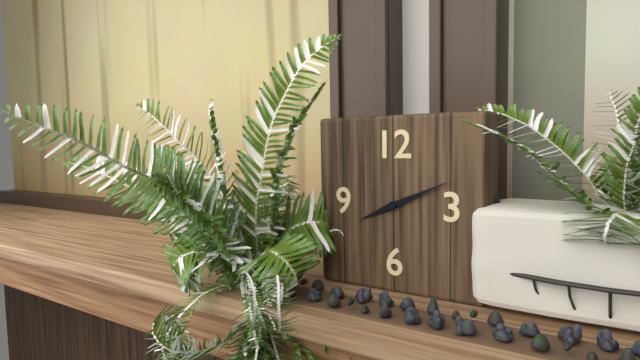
**8:11**
